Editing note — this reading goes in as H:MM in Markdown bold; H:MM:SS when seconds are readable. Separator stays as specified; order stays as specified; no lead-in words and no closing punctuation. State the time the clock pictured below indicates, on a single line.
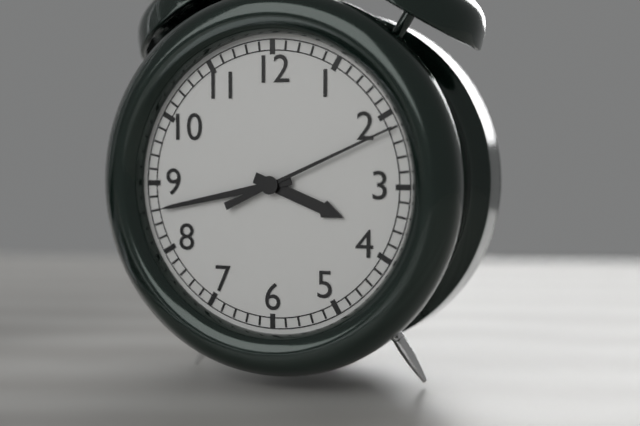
**3:43:11**
